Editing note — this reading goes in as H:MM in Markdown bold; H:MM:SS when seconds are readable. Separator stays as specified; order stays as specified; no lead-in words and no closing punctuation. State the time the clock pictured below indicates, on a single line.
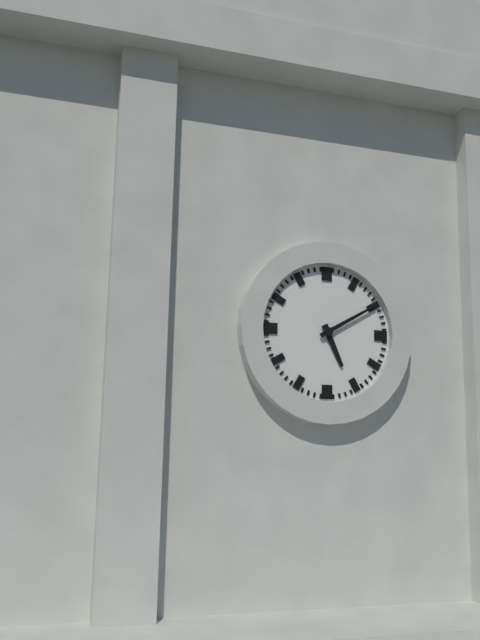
**5:10**
